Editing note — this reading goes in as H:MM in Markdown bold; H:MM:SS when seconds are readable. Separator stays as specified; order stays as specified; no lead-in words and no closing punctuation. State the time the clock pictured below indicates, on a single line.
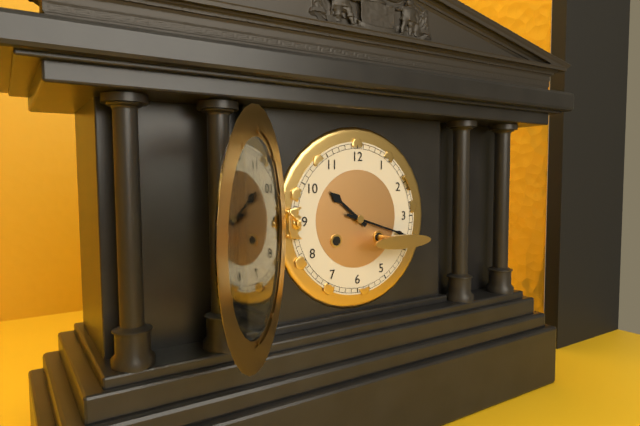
**10:18**
